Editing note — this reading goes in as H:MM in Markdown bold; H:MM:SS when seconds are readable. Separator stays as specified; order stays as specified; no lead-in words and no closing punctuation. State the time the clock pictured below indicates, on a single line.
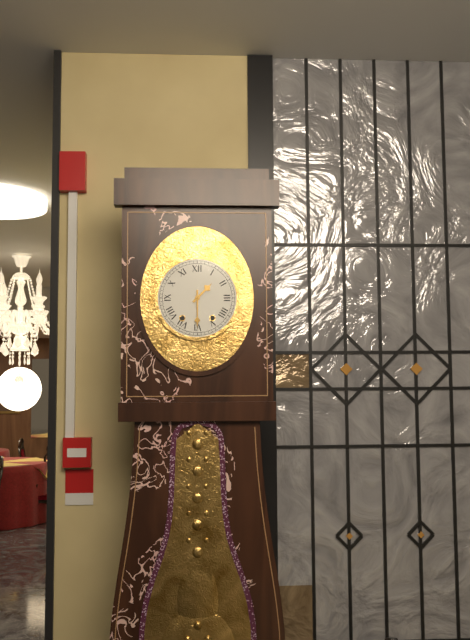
**1:30**
